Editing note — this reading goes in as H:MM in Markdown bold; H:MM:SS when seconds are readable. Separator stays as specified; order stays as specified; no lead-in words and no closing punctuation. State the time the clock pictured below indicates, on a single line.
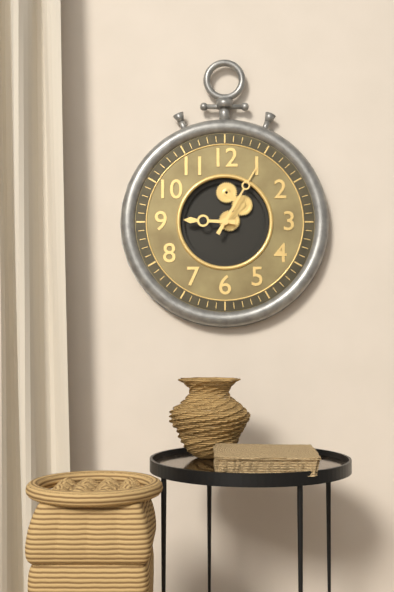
**9:05**
